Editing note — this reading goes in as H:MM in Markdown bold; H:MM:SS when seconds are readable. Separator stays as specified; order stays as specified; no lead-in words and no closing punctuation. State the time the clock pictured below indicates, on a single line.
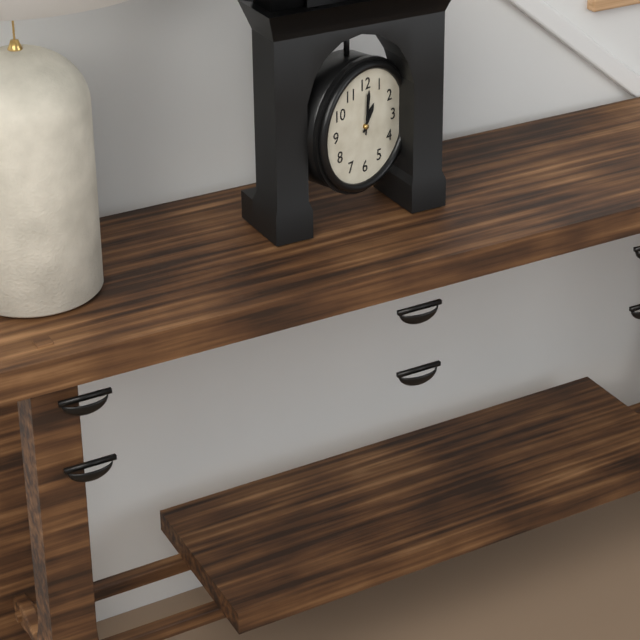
**1:01**
